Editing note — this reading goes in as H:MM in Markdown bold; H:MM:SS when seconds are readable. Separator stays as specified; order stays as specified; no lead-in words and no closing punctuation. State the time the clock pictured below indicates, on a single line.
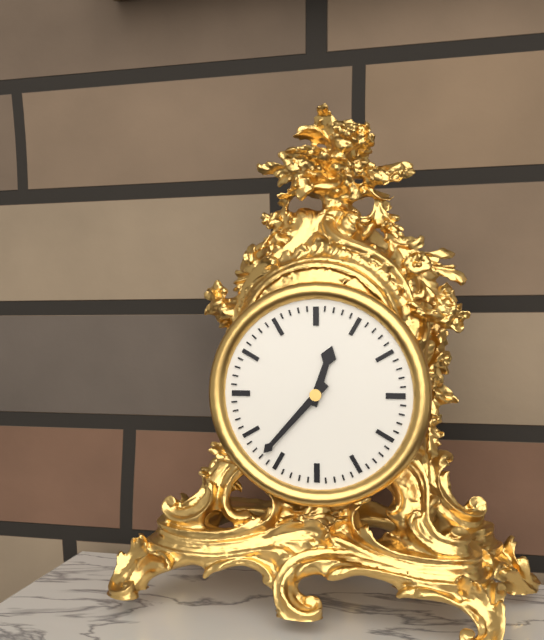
**12:37**
